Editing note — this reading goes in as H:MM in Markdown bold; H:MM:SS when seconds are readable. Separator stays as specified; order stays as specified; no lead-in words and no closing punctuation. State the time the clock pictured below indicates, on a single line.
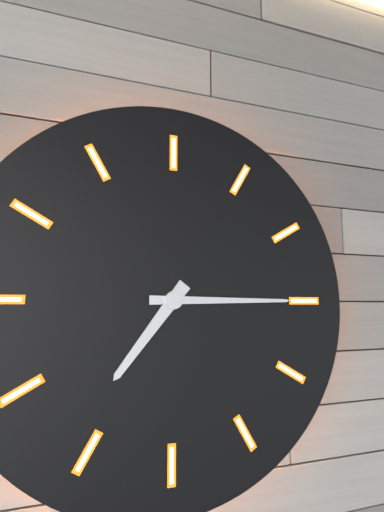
**7:15**
